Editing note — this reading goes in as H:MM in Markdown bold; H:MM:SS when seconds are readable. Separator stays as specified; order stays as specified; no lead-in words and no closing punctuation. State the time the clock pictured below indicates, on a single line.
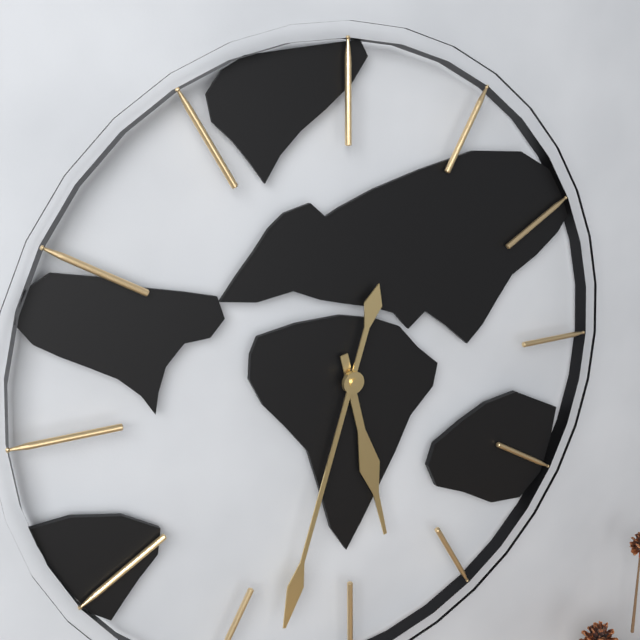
**5:33**
